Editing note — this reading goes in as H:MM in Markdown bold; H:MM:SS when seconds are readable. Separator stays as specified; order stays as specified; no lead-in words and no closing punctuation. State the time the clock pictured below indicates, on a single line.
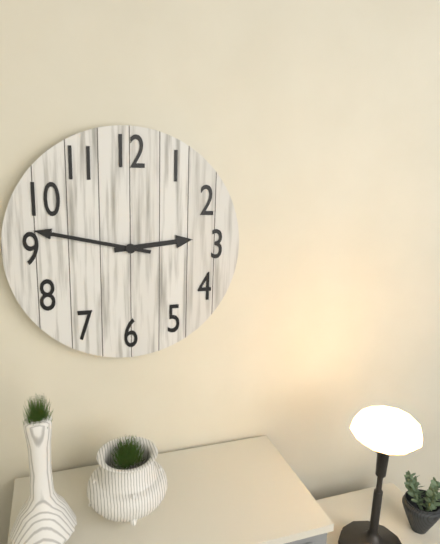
**2:47**
